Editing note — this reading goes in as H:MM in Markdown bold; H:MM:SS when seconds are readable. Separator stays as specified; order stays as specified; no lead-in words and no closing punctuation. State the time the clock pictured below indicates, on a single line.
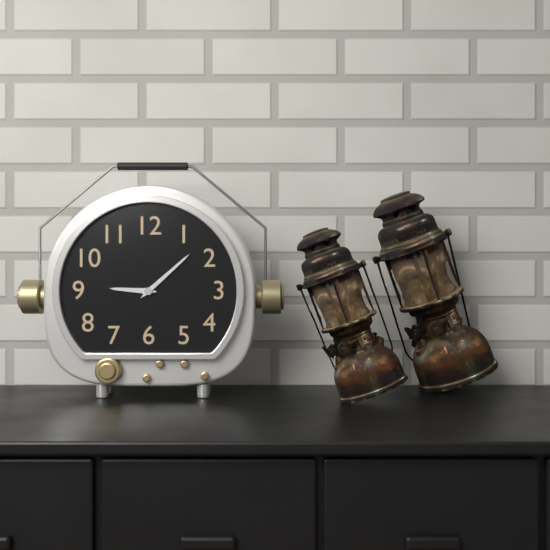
**9:08**
